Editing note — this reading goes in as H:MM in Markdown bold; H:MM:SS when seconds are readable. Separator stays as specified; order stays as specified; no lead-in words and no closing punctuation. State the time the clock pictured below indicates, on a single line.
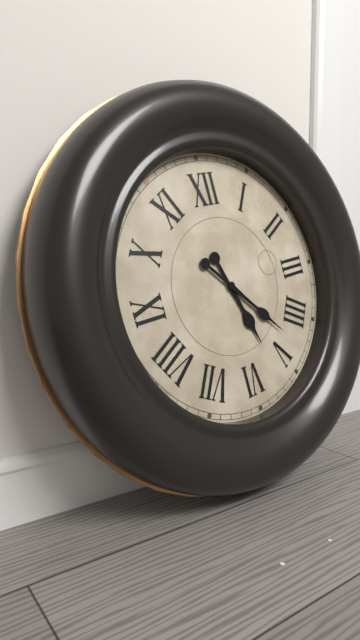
**5:23**
